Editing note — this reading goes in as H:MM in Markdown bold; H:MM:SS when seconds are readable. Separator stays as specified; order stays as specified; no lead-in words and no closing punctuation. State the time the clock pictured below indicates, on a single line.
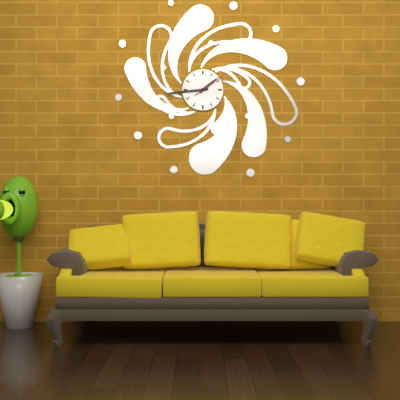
**1:44**
